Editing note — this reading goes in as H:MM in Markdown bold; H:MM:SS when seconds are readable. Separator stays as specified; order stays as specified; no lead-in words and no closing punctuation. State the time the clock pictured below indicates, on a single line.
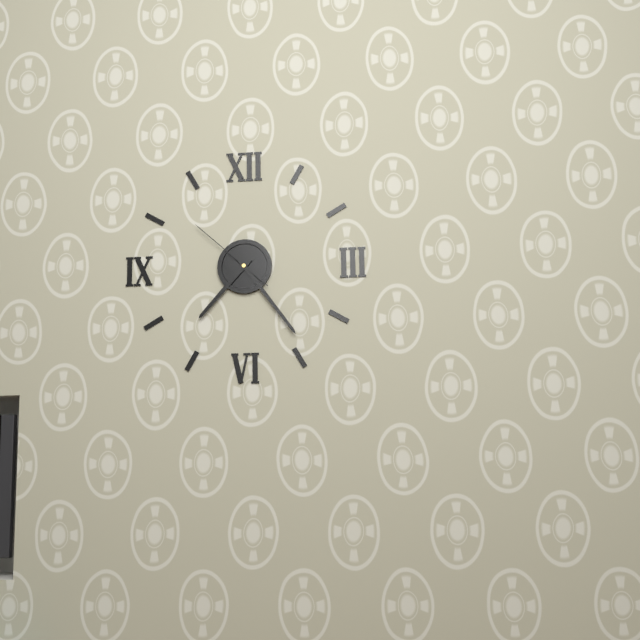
**7:24:52**
